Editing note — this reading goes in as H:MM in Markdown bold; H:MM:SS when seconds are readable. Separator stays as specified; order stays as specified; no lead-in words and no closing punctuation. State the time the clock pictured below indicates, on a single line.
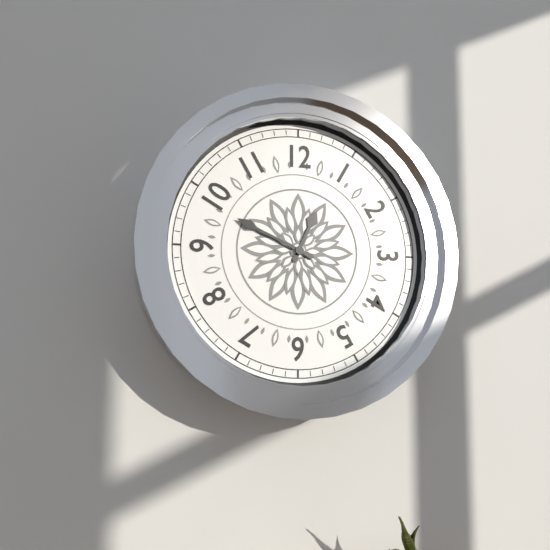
**12:49**
